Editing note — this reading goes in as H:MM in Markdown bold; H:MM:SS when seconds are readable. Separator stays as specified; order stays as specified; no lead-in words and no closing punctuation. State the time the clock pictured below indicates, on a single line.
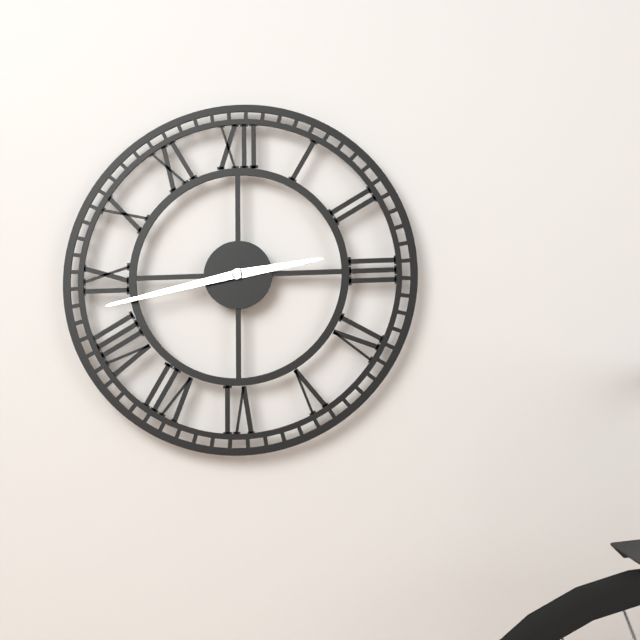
**2:43**
